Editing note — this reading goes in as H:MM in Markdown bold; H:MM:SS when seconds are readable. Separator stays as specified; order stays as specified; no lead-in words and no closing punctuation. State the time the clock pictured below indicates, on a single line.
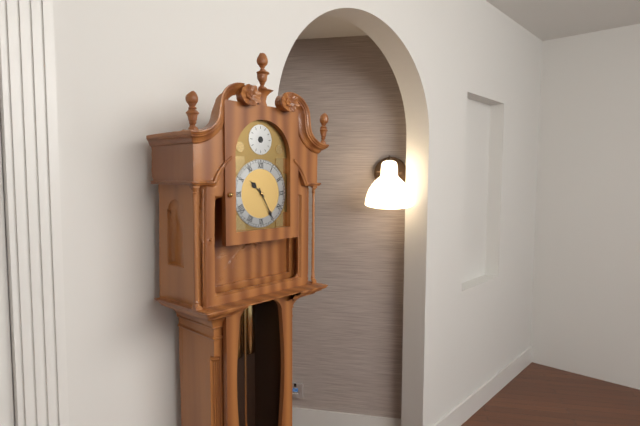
**10:25**
